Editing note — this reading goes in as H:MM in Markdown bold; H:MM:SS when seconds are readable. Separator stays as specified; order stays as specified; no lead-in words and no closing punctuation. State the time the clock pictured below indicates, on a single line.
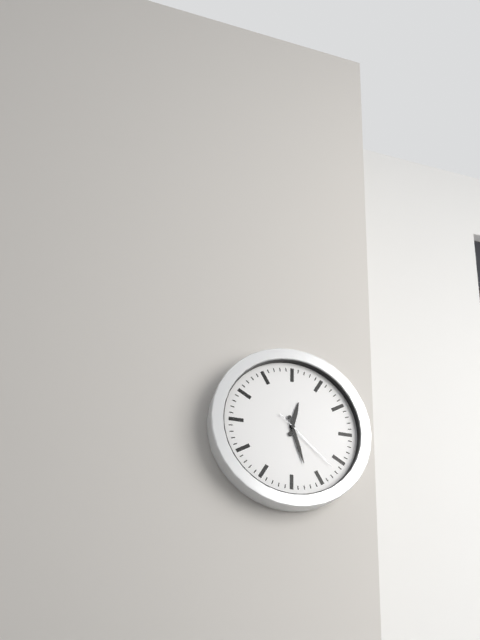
**12:27:22**
